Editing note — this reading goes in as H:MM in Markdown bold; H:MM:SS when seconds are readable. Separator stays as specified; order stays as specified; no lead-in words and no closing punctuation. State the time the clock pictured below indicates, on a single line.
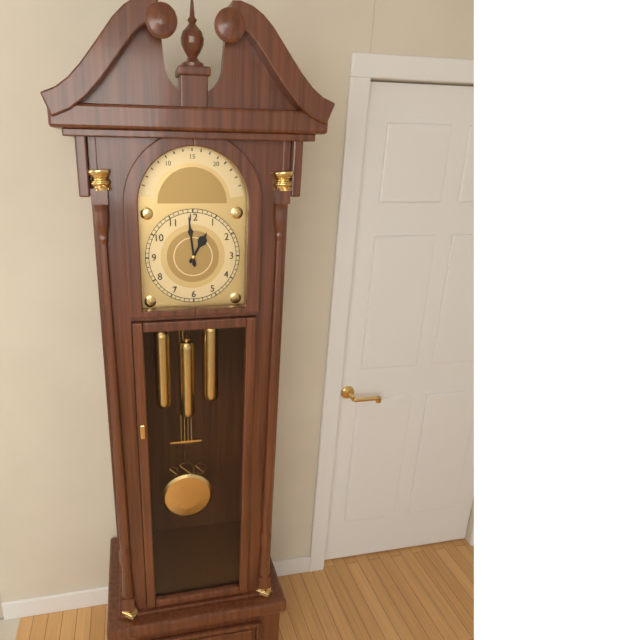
**12:59**
